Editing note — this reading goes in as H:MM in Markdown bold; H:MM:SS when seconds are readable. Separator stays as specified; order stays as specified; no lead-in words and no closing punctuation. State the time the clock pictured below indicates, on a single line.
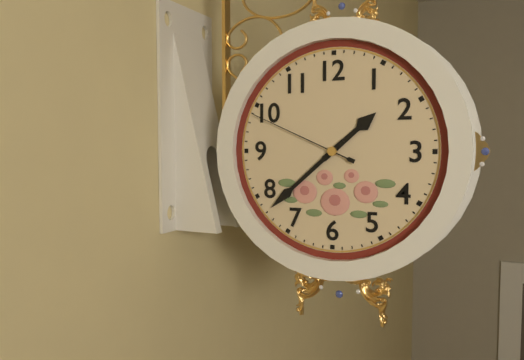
**1:38:49**
